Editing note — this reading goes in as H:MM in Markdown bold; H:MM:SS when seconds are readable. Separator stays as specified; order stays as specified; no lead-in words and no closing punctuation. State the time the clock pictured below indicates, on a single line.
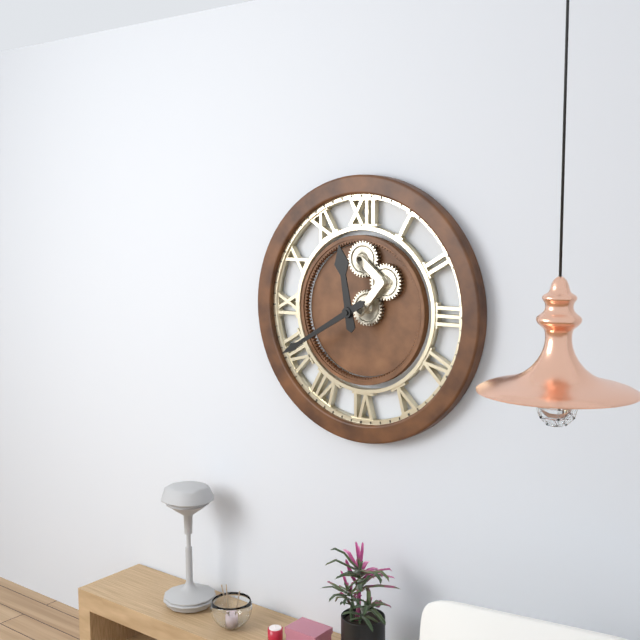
**11:40**
